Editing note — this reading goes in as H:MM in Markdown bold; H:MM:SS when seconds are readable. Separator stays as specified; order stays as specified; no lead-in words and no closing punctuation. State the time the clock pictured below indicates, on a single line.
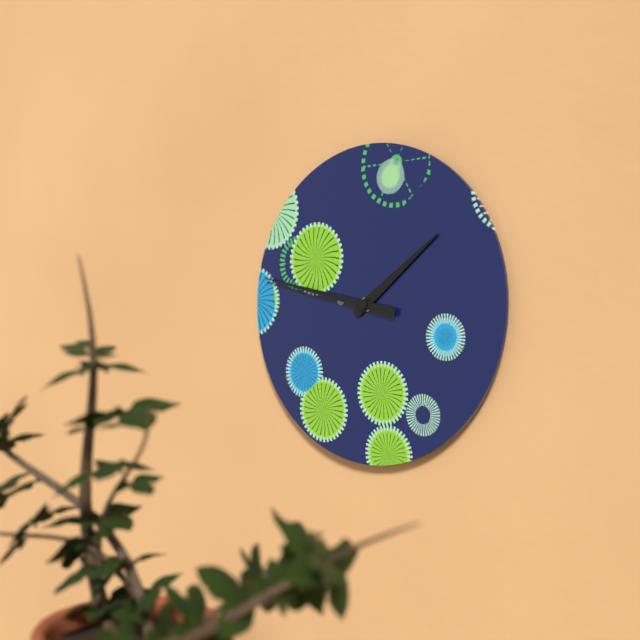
**1:47**
